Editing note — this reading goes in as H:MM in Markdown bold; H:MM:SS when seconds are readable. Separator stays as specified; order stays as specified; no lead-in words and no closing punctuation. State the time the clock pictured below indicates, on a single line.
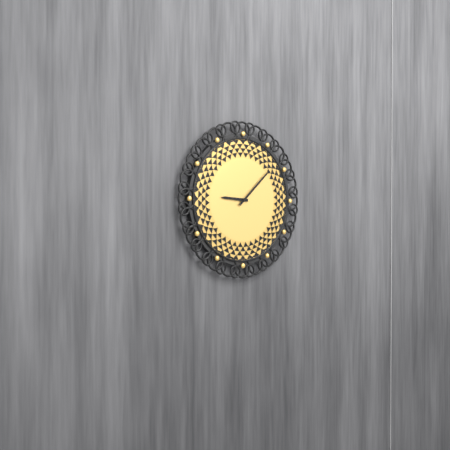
**9:08**
